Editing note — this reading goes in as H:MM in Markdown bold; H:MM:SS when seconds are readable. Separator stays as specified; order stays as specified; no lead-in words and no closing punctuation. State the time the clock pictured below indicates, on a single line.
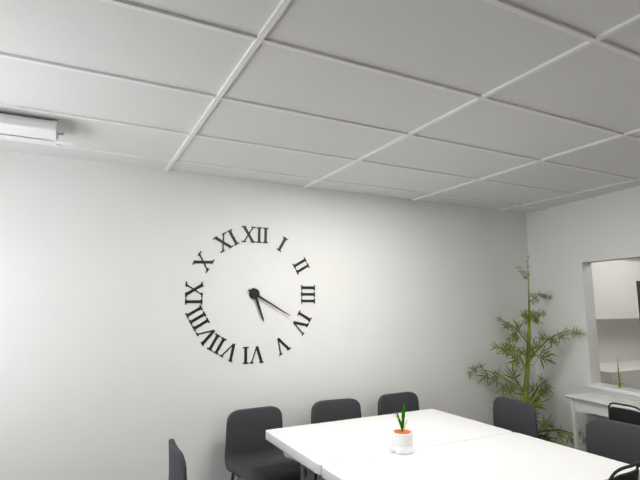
**5:20**
